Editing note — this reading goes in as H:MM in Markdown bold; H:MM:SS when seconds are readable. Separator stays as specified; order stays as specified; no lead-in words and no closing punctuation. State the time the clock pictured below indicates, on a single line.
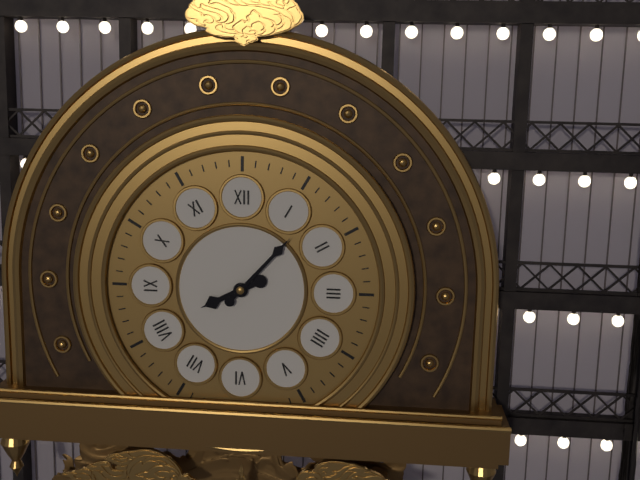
**8:07**
